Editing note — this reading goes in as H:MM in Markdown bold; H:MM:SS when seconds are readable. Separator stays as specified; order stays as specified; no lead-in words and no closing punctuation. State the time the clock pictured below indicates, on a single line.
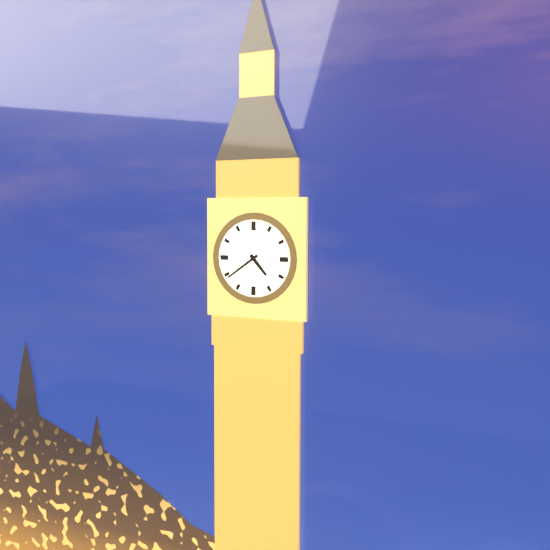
**4:39**
